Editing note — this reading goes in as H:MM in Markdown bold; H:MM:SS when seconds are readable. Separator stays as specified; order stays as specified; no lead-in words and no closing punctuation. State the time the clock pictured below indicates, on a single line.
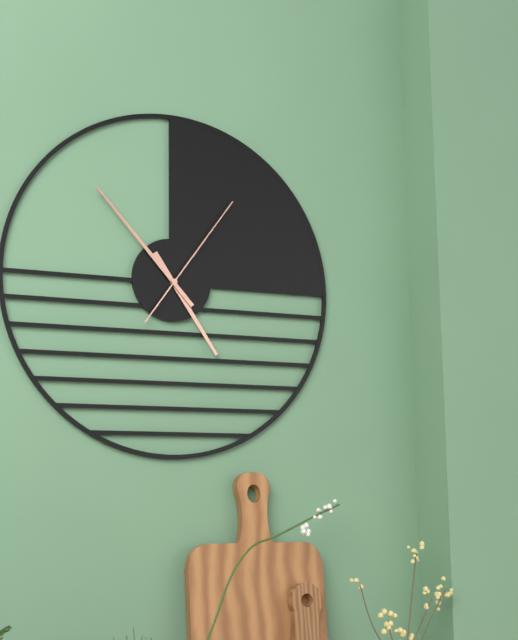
**4:53:06**
